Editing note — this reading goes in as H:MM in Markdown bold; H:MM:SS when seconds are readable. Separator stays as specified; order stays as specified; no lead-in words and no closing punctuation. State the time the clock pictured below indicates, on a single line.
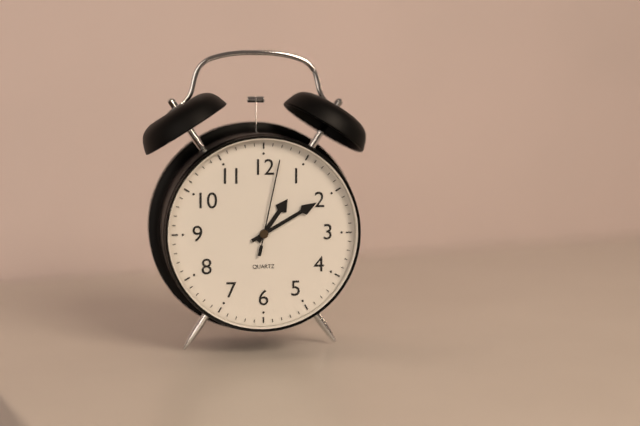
**1:10:02**
